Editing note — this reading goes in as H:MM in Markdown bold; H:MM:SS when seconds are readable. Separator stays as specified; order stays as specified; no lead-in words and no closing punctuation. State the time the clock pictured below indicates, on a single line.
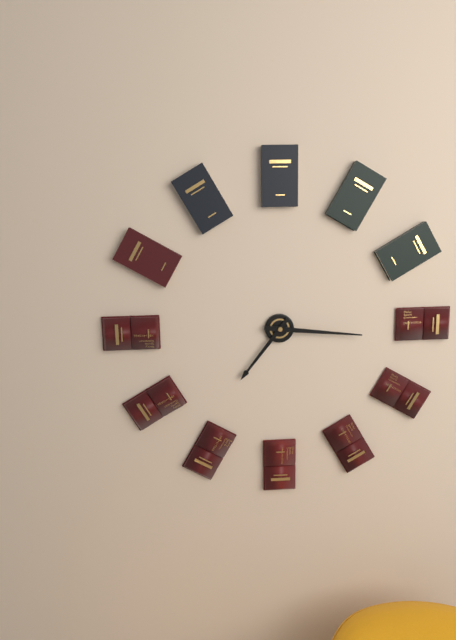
**7:16**
